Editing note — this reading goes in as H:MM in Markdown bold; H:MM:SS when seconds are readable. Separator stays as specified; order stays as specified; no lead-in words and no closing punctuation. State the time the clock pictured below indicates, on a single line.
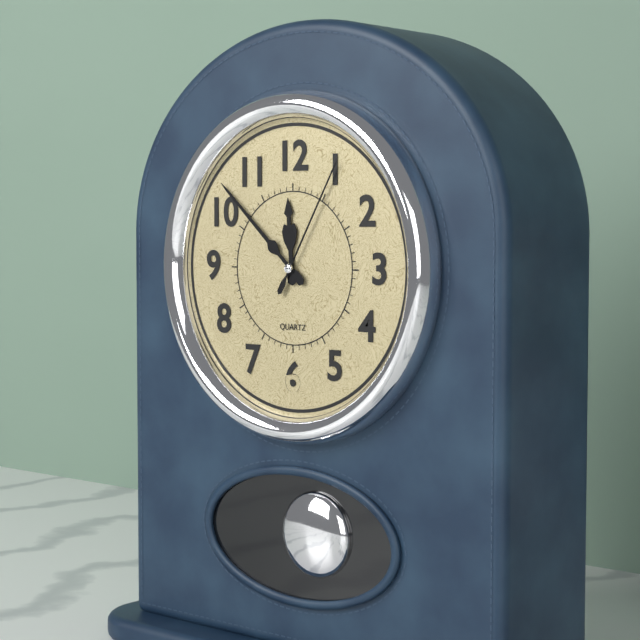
**11:52:05**
